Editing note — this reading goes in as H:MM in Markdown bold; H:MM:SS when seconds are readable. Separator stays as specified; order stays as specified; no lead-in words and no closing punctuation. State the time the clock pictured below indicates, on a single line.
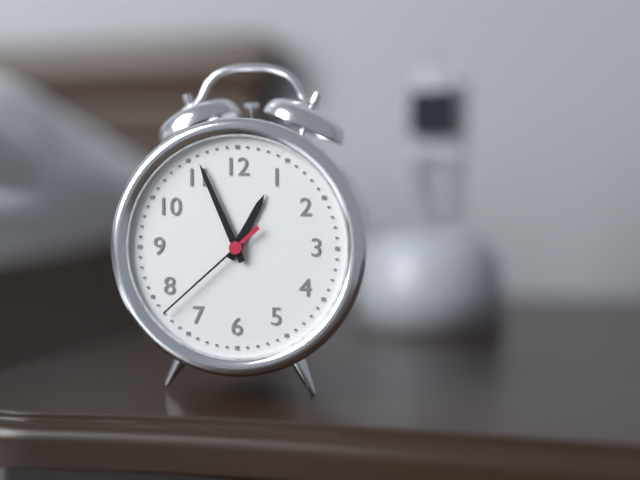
**12:56:38**
